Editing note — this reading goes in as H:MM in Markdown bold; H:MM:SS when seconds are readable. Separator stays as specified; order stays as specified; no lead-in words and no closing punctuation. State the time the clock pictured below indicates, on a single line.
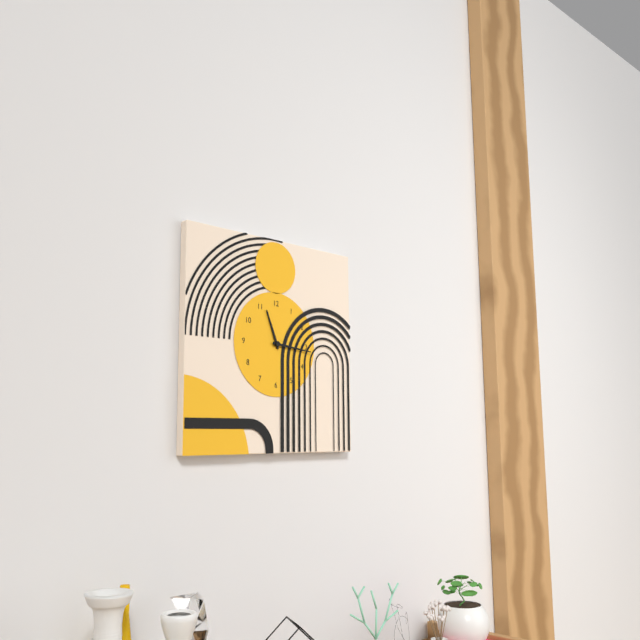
**11:16**
